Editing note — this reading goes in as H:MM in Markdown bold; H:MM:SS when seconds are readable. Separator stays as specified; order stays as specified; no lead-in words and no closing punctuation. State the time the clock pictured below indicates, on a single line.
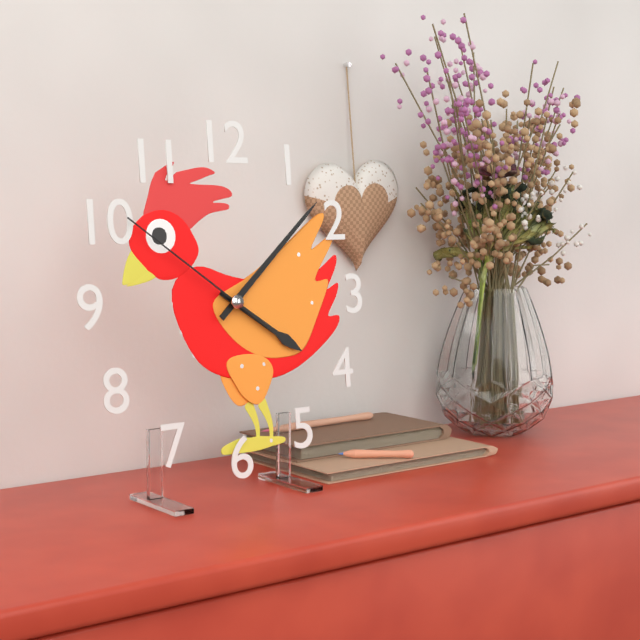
**4:08:51**
